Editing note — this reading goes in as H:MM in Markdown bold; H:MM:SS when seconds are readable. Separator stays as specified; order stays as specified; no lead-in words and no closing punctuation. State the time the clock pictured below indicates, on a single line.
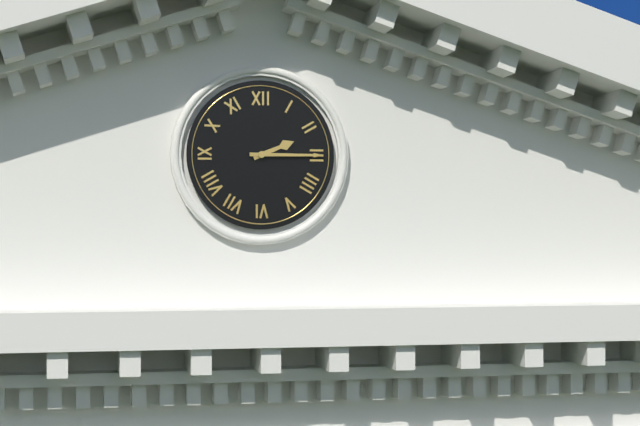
**2:15**
